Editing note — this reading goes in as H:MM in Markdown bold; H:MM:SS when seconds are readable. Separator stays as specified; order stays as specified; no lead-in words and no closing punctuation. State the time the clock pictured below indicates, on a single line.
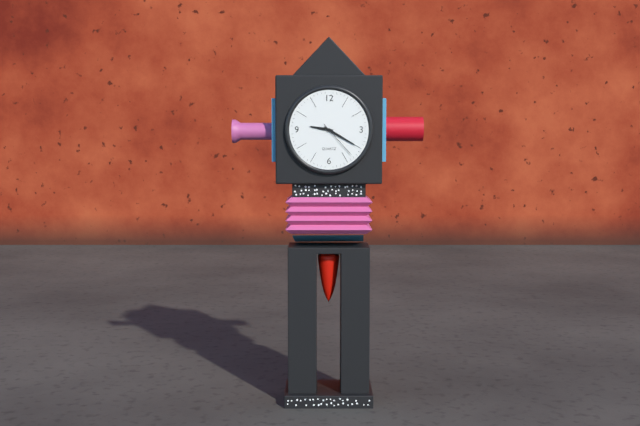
**9:20**
